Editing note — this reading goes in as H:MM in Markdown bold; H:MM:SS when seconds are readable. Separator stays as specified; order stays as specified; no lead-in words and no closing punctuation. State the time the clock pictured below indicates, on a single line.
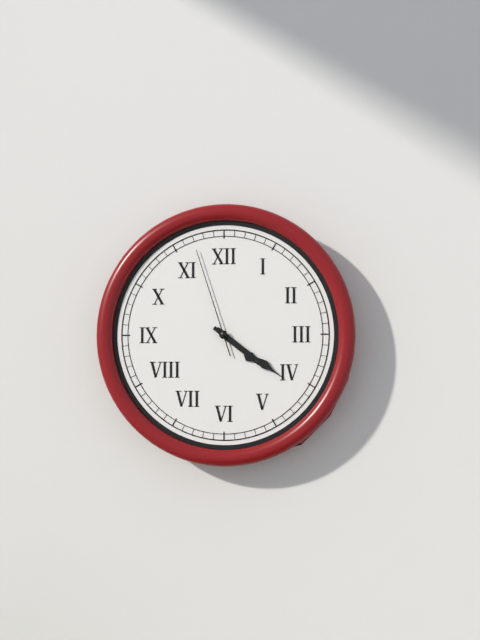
**4:21:57**
